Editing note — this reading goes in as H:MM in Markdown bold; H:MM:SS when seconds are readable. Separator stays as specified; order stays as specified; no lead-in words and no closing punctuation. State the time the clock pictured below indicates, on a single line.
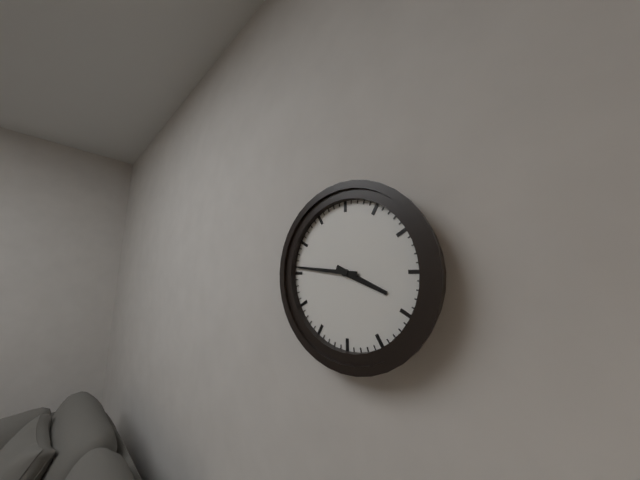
**3:46**
